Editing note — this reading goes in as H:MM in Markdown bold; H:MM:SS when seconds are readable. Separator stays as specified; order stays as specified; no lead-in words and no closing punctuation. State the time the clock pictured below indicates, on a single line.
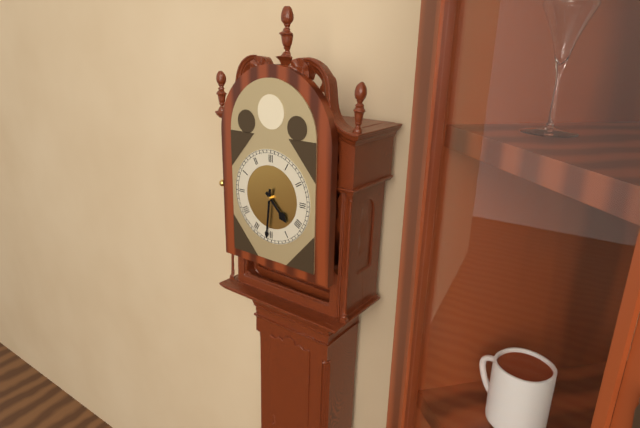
**4:31**
